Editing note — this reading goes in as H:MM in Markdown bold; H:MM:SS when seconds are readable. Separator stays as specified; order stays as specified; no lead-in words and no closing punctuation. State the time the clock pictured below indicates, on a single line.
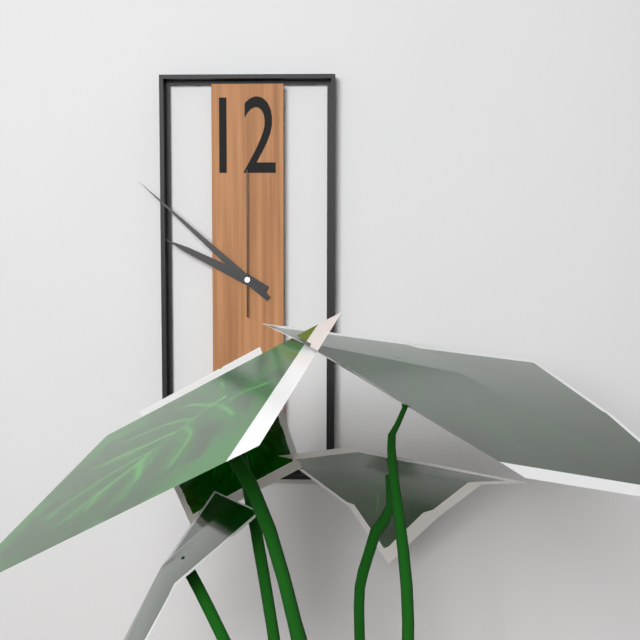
**9:52:00**
